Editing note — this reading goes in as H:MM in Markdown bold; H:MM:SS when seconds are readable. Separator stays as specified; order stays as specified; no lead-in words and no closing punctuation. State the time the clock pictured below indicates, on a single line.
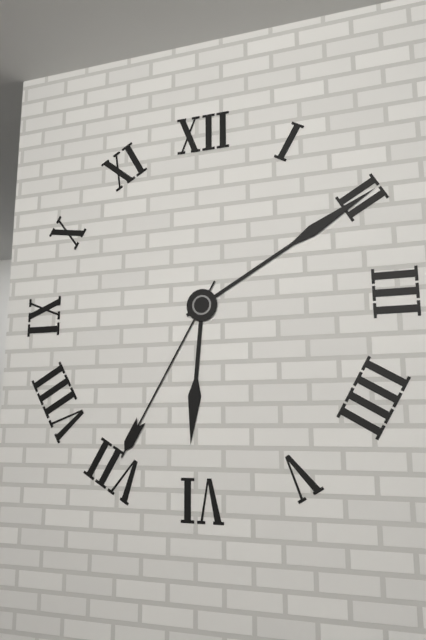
**6:10:35**
